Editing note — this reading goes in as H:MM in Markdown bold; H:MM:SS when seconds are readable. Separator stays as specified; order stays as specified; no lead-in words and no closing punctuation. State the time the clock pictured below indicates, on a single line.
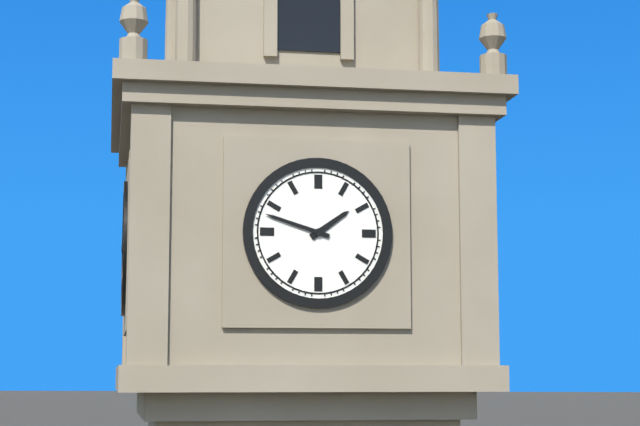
**1:48**
